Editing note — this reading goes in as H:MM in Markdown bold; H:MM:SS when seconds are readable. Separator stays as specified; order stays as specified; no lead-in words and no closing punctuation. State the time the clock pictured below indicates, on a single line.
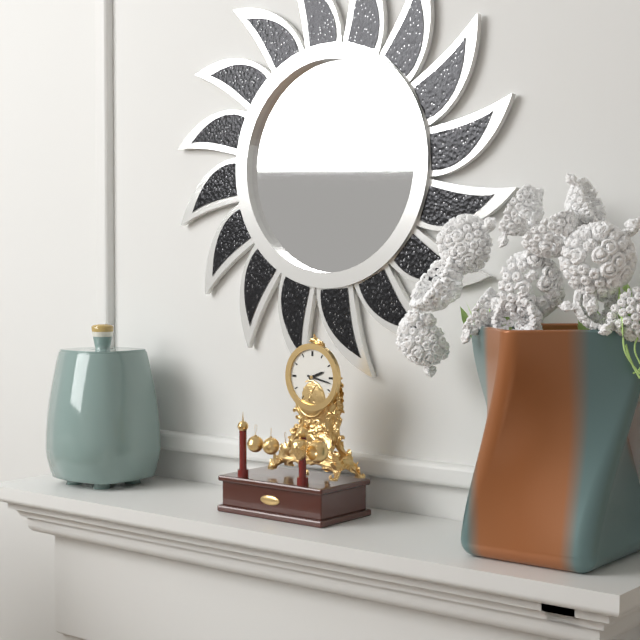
**2:17**
